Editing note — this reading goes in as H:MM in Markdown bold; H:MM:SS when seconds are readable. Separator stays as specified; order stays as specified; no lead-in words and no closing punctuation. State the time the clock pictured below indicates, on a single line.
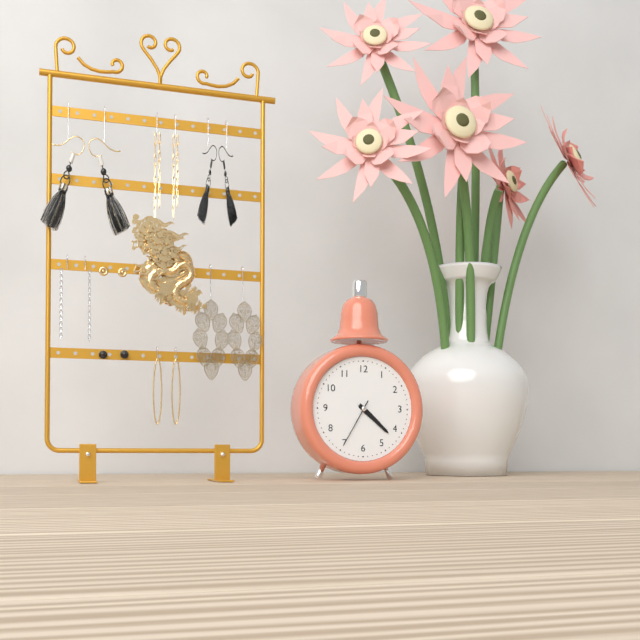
**4:22**
